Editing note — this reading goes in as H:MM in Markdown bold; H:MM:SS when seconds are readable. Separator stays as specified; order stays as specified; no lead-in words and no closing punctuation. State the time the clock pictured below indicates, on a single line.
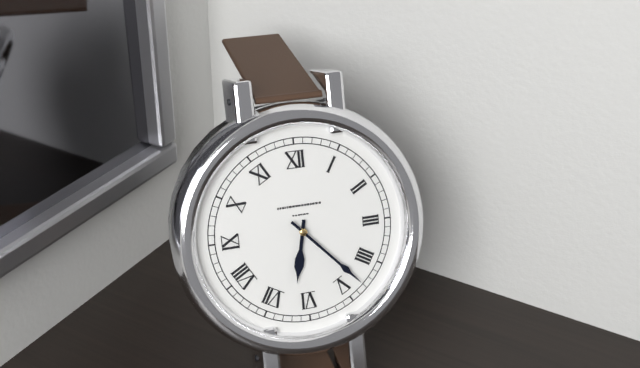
**6:23**
